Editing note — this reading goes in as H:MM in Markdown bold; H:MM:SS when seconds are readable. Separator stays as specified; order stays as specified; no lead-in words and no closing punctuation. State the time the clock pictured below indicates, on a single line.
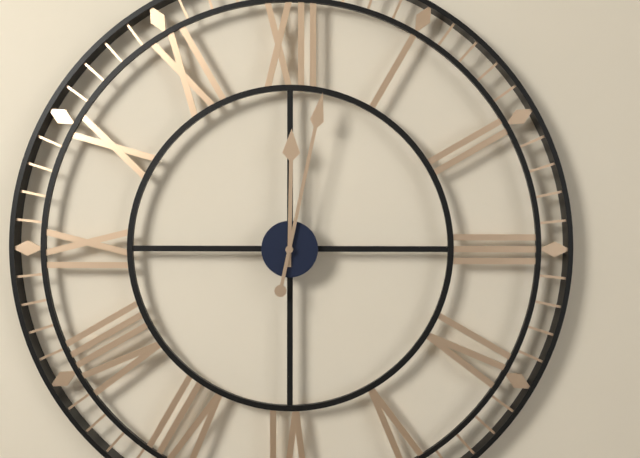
**12:02**
